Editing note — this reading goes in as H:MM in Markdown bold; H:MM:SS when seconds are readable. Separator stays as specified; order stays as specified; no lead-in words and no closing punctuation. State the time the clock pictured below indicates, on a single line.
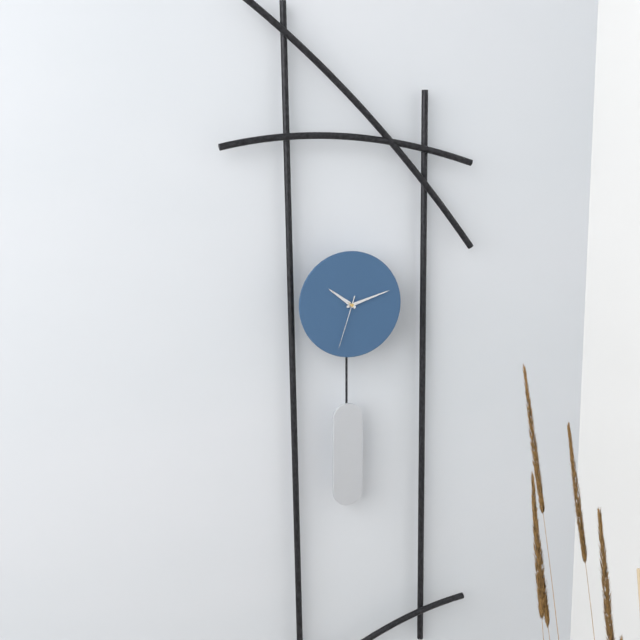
**10:12:33**
